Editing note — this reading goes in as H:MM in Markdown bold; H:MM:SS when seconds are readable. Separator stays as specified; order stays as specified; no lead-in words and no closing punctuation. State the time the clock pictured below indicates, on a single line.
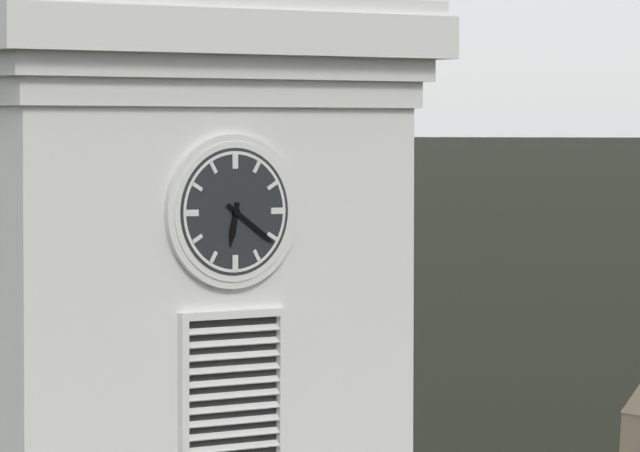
**6:21**
